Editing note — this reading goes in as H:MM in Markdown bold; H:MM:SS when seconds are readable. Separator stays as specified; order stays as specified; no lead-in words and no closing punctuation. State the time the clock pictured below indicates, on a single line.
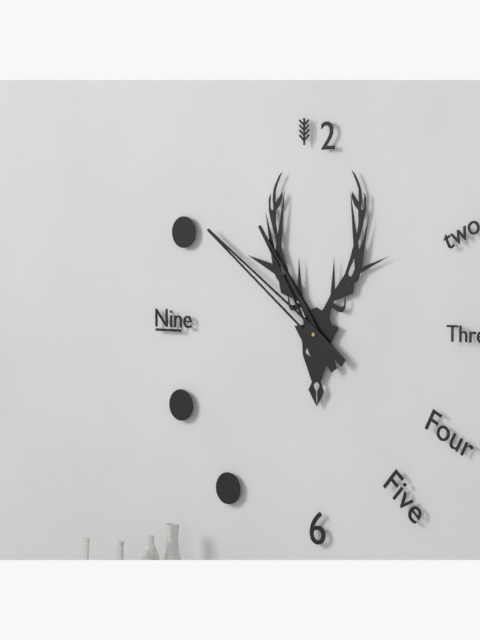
**10:51**
